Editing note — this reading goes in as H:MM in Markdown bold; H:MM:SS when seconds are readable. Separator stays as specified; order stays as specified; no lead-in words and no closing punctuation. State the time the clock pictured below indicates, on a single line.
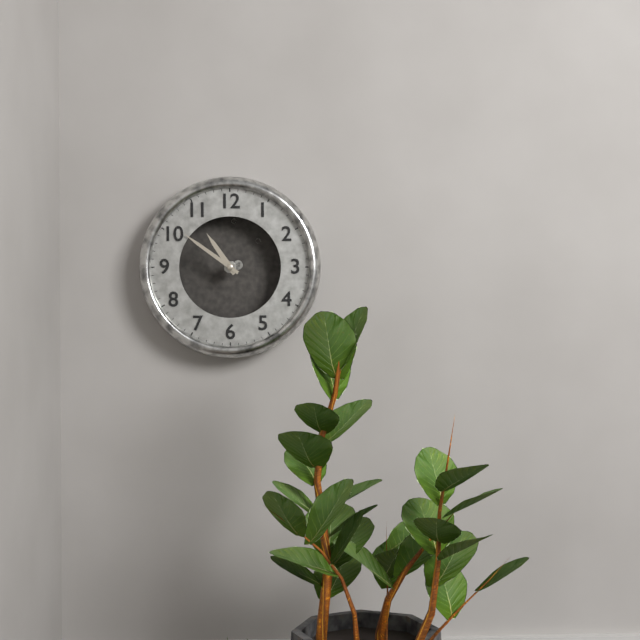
**10:51**
